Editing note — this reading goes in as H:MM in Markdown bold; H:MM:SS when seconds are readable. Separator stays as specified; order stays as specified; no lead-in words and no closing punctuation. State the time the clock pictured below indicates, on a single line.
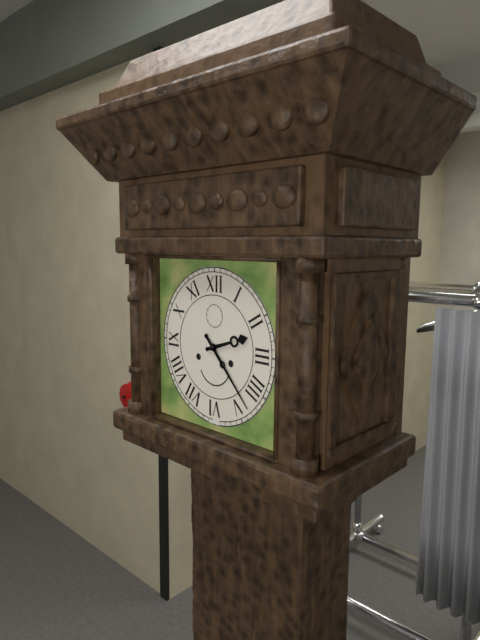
**2:23**
